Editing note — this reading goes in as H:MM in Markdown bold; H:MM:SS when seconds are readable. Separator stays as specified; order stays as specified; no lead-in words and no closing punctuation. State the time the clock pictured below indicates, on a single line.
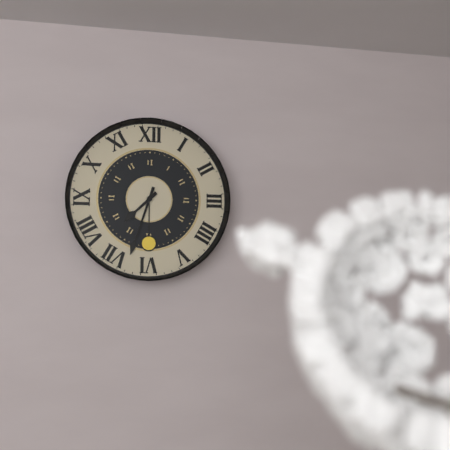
**7:33**
